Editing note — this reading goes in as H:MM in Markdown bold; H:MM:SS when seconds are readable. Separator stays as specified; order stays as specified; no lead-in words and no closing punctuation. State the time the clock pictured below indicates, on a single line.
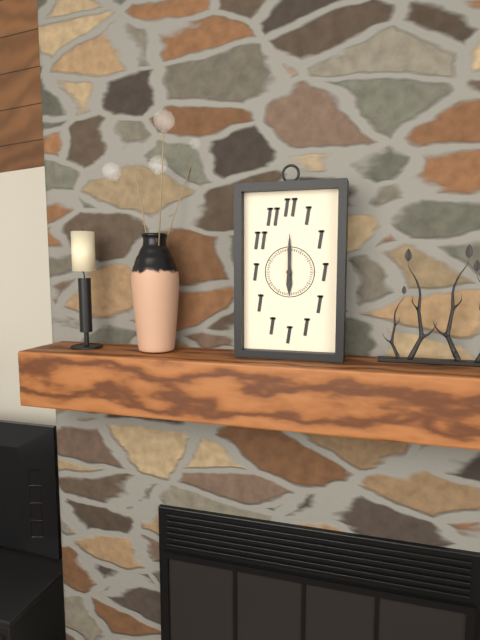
**6:00**
